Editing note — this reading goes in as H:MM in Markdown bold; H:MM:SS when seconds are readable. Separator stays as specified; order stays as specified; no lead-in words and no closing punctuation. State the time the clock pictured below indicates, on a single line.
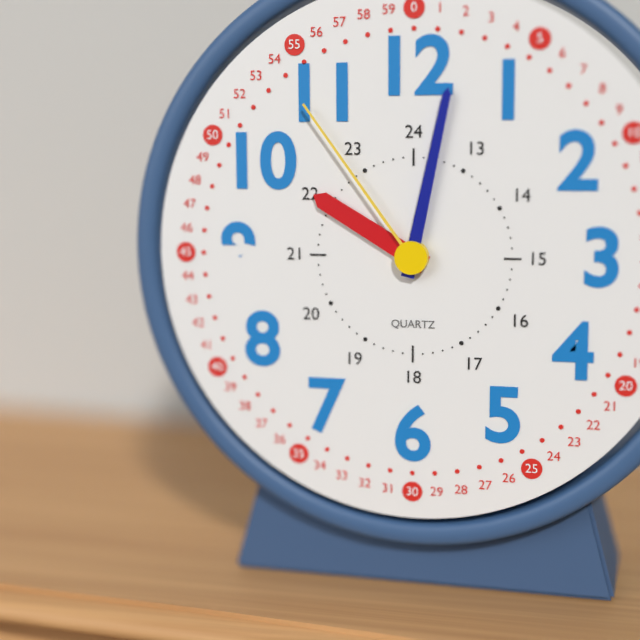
**10:02:54**
